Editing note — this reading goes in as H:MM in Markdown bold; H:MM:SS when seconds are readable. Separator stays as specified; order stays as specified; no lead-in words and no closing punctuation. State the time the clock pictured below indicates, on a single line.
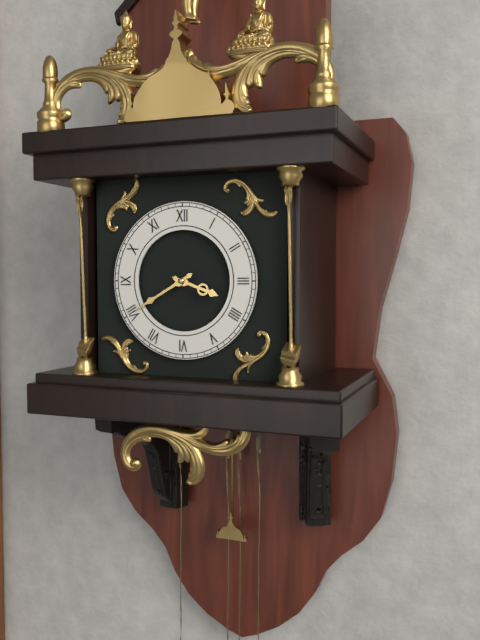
**3:40**
